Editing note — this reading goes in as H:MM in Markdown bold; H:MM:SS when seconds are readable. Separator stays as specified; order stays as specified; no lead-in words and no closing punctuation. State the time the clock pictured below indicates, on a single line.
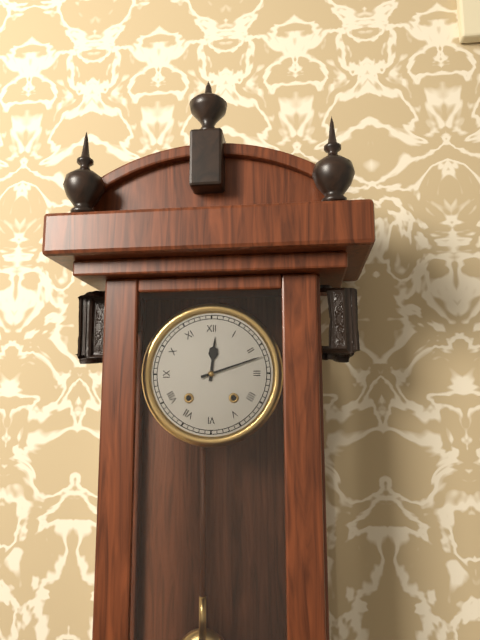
**12:12**
